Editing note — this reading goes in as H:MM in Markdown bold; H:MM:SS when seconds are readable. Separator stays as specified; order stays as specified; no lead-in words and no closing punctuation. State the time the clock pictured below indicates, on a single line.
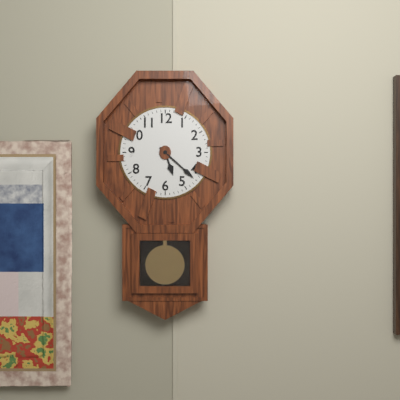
**5:22**
